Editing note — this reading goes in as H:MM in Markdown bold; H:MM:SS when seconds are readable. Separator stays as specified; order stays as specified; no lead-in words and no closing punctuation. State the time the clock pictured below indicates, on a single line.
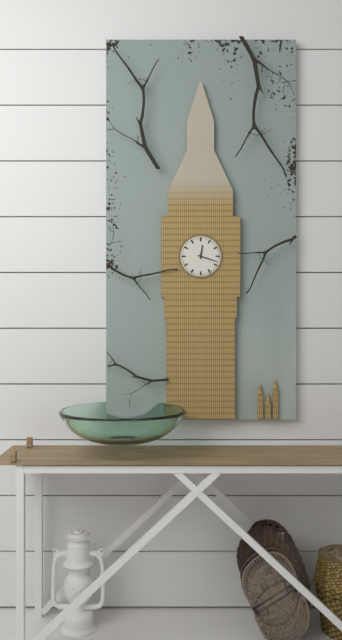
**12:18**
